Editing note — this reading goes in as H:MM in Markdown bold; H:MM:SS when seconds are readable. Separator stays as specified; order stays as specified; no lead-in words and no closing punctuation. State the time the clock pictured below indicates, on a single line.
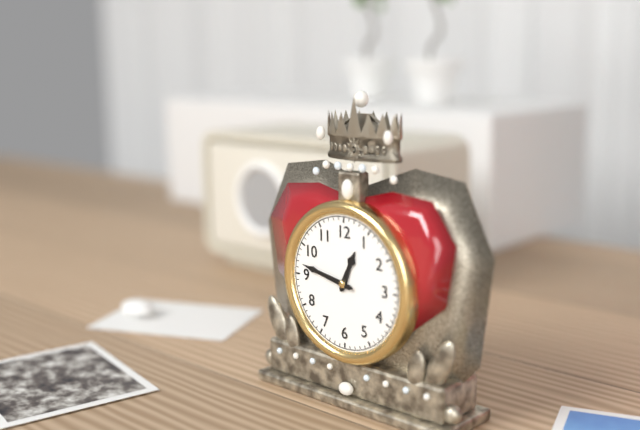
**12:47**
